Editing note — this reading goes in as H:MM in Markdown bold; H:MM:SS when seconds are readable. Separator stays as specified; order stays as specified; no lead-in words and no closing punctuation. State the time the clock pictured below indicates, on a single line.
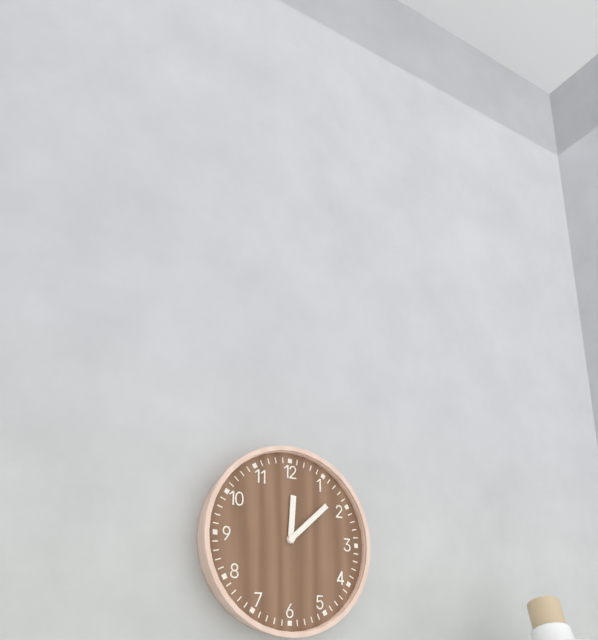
**12:08**
